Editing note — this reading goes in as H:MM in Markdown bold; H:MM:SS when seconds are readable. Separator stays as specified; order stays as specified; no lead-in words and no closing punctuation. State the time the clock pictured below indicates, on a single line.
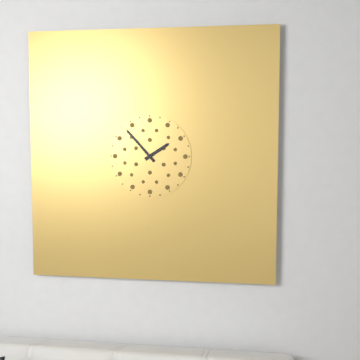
**1:53**
